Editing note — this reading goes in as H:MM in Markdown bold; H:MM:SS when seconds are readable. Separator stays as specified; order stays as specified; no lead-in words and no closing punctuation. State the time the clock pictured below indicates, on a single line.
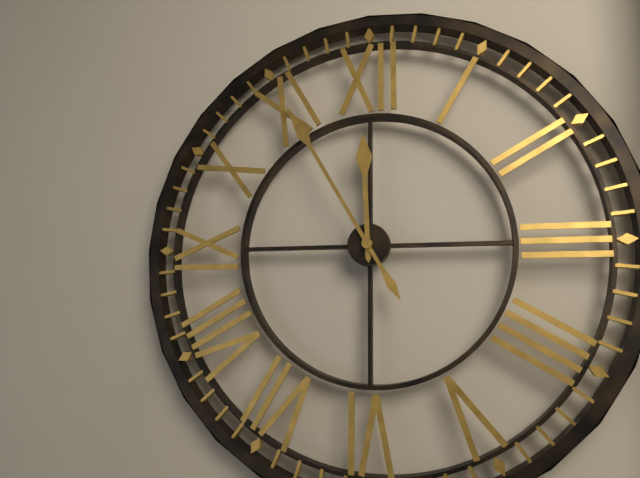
**11:55**
